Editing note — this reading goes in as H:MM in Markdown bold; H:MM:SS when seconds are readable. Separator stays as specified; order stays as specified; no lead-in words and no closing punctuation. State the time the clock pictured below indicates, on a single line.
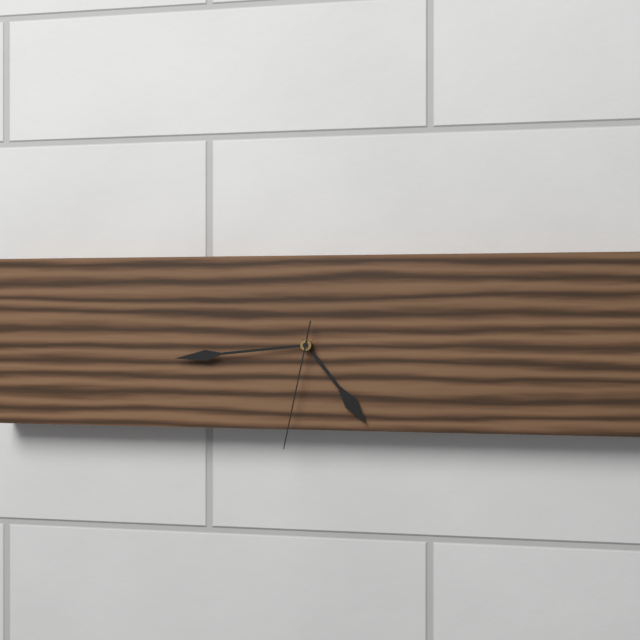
**4:44:32**
